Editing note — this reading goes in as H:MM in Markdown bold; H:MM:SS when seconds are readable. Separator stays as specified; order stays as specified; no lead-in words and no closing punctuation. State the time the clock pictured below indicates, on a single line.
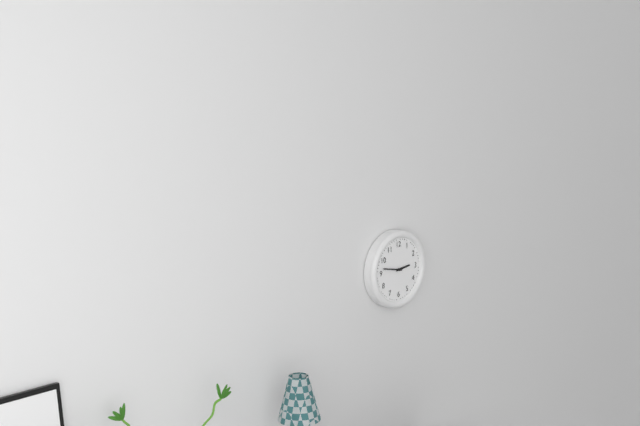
**2:47**
